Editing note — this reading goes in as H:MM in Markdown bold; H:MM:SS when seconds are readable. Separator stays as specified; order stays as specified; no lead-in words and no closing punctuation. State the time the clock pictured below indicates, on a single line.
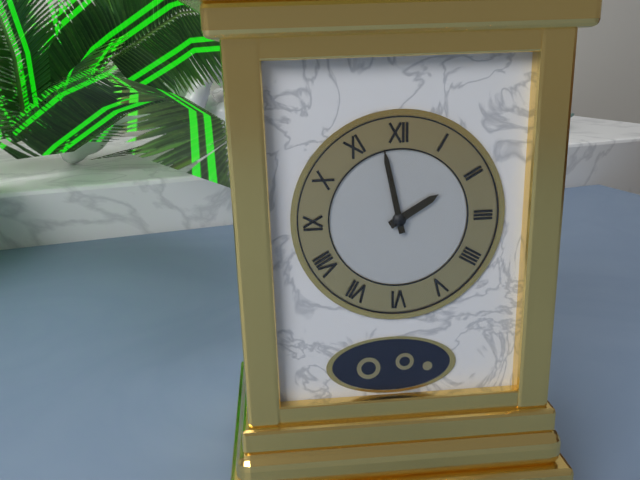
**1:58**
